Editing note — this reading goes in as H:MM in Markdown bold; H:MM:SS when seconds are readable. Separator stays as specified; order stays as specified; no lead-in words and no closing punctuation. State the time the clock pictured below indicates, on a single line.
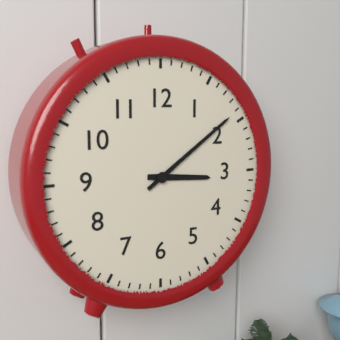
**3:09**
